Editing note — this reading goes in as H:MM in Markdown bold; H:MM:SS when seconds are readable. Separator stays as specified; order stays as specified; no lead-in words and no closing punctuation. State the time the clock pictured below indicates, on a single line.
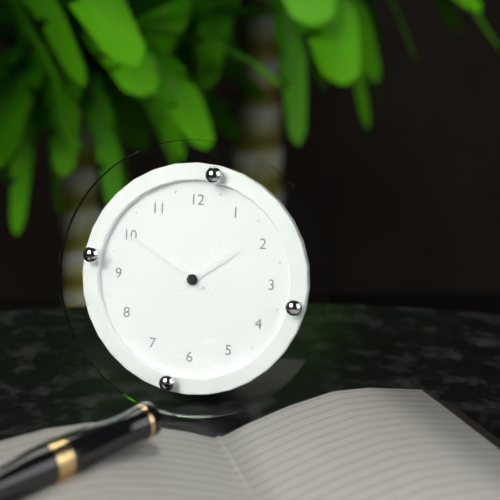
**1:50**
